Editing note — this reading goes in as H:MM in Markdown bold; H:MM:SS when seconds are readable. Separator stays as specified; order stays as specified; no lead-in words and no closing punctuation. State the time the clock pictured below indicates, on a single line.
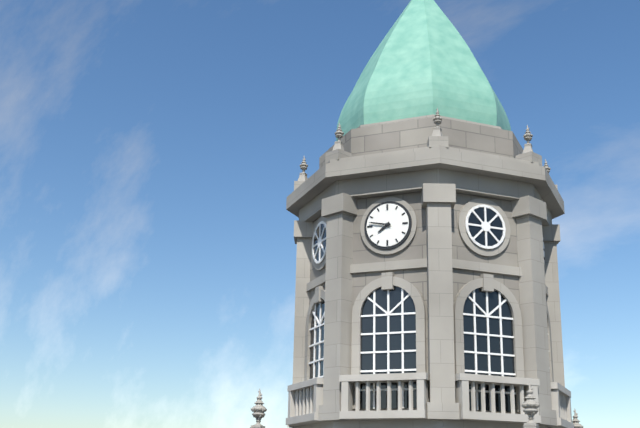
**7:47**
